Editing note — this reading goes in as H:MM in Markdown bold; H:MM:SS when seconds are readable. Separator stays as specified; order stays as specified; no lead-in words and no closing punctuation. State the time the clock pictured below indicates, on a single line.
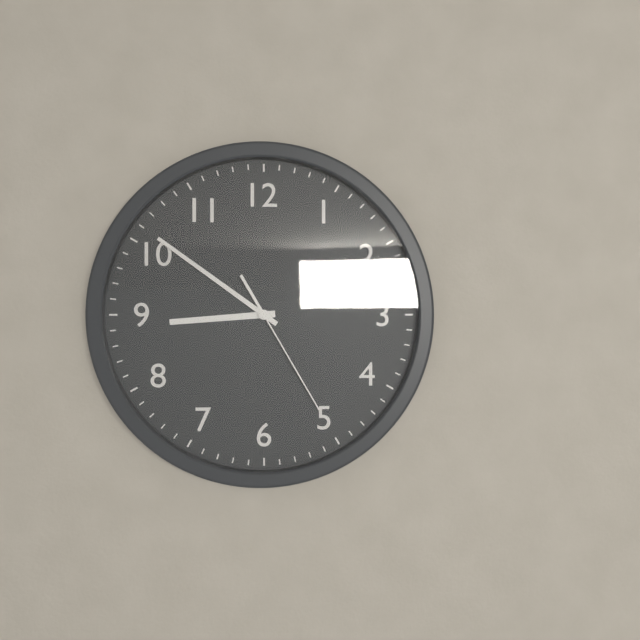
**8:51:25**
